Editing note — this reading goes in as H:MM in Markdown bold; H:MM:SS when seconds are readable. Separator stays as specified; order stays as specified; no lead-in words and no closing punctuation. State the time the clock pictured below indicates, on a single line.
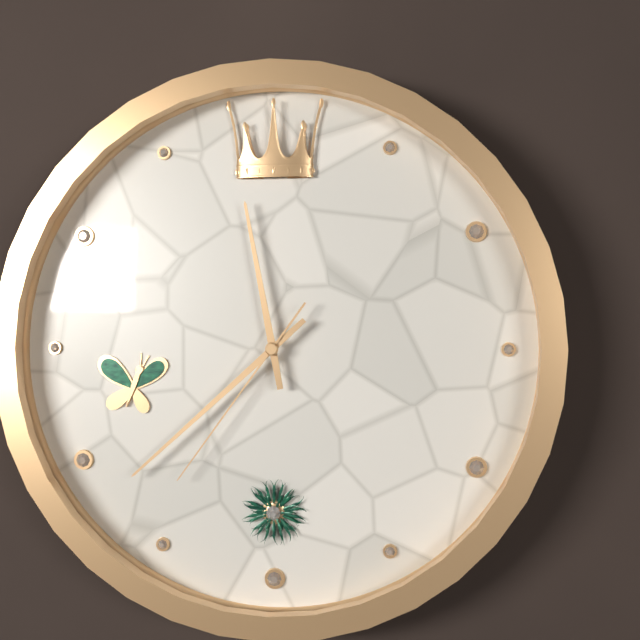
**11:38:36**
